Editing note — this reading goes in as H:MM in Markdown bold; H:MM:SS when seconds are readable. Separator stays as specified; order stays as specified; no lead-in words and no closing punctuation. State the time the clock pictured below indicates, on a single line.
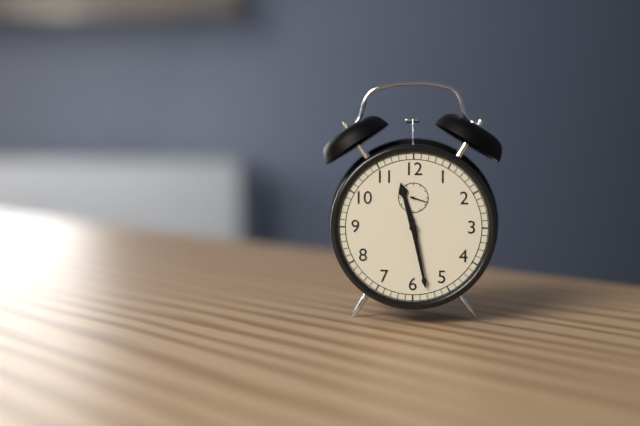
**11:28**
